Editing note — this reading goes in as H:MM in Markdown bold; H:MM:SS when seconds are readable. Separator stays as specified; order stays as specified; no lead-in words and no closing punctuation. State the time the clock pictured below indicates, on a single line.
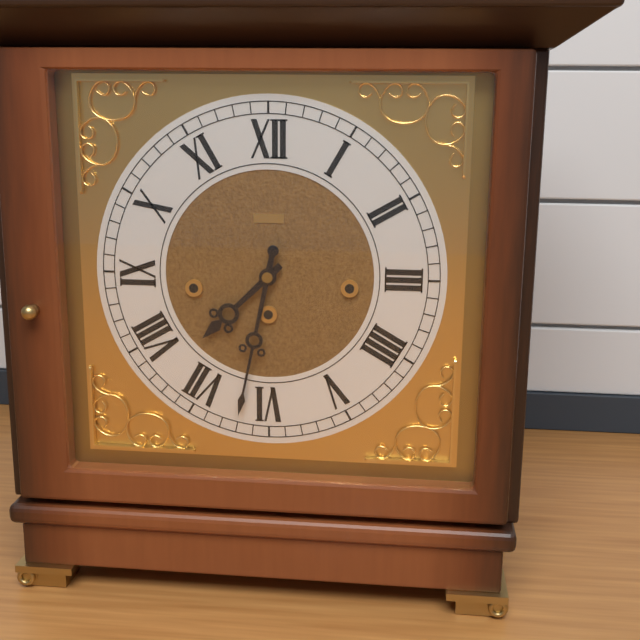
**7:32**
